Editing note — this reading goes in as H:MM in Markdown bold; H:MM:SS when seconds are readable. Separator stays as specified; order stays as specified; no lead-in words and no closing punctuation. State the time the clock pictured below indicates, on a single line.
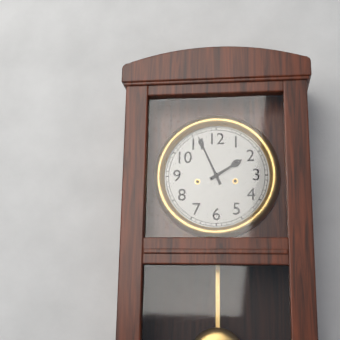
**1:56**
